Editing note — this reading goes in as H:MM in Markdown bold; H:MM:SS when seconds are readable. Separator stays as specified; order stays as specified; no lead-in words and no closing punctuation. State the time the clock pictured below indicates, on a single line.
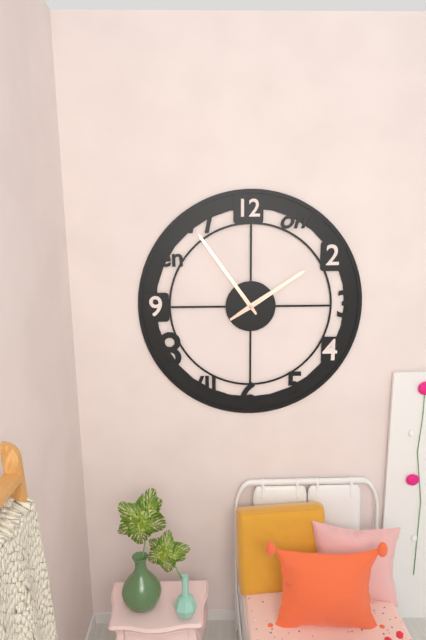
**1:54**
